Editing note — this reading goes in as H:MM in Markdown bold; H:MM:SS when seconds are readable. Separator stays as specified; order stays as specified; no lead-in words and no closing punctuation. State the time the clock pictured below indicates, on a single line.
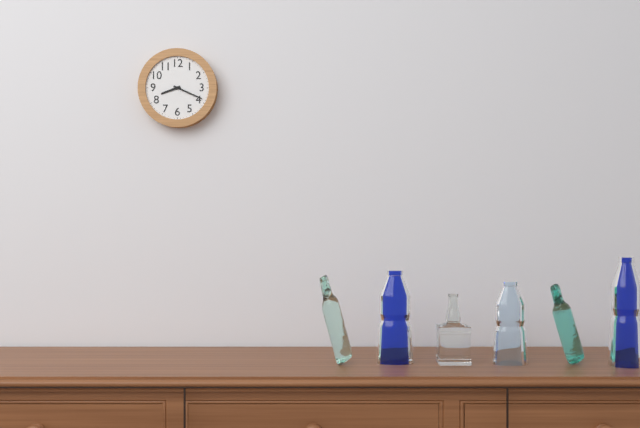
**8:19**
